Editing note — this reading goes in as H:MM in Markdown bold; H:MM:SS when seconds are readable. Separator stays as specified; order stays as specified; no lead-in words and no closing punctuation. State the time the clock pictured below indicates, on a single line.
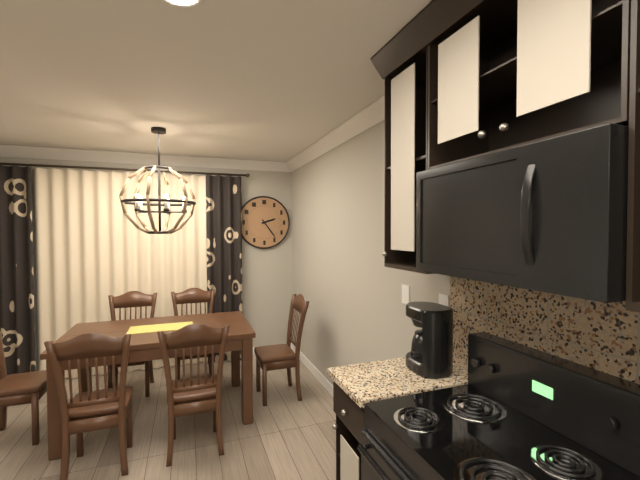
**2:24**
